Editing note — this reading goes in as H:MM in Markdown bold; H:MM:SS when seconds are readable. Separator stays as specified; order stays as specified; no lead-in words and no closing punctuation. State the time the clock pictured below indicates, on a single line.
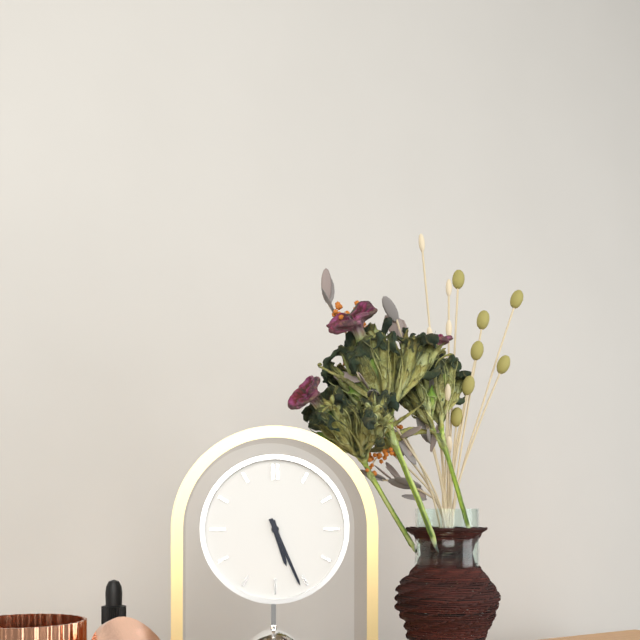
**5:26**
